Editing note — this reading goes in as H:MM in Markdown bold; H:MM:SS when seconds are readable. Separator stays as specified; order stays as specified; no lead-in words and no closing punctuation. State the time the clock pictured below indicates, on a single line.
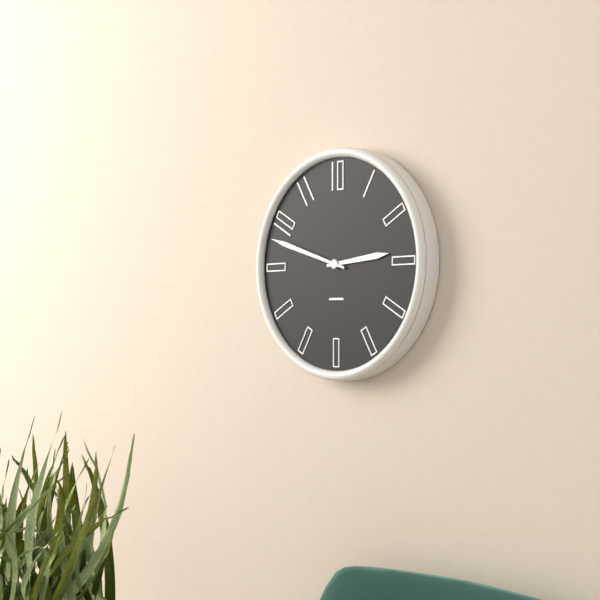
**2:48**
